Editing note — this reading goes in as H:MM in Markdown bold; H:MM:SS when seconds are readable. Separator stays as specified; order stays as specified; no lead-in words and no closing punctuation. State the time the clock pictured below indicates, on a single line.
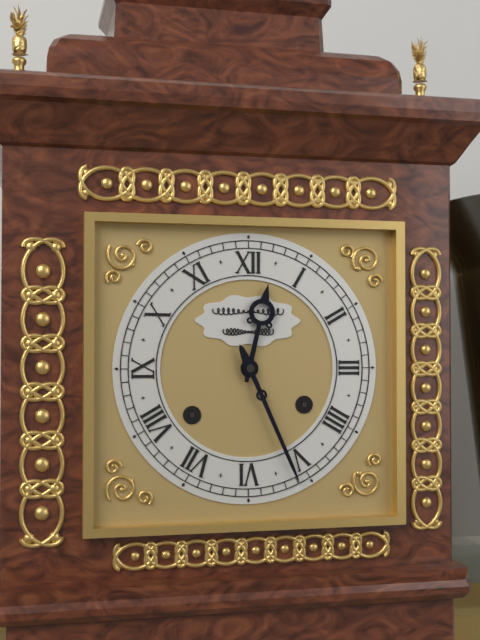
**12:26**
